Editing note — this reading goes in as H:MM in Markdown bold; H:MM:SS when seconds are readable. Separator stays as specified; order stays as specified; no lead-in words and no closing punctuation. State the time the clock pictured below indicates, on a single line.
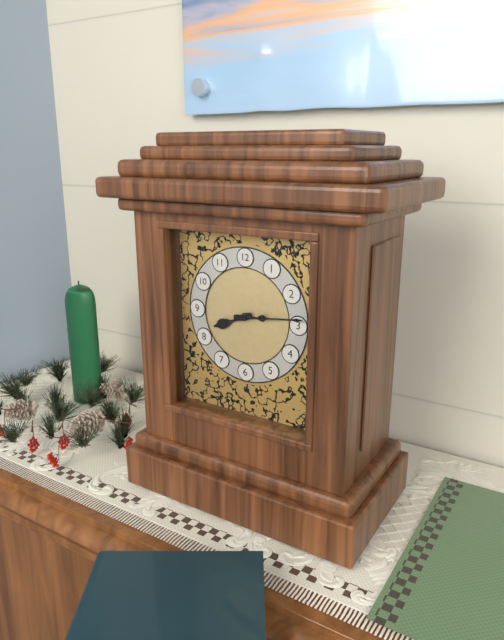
**8:14**
